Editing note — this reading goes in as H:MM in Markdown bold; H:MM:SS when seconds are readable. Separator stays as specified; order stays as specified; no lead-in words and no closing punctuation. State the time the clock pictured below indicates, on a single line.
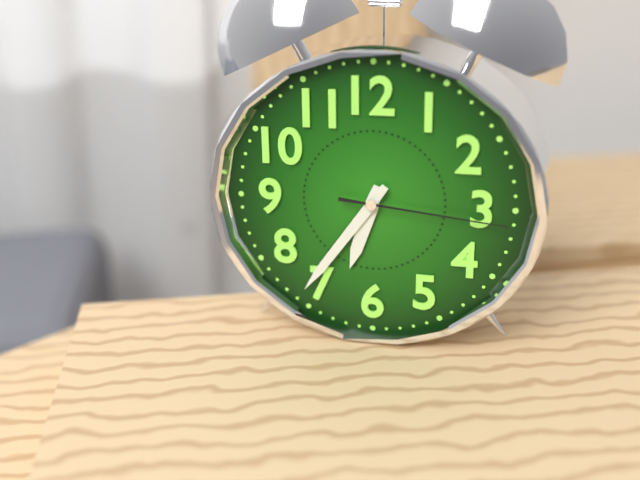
**6:36:16**
